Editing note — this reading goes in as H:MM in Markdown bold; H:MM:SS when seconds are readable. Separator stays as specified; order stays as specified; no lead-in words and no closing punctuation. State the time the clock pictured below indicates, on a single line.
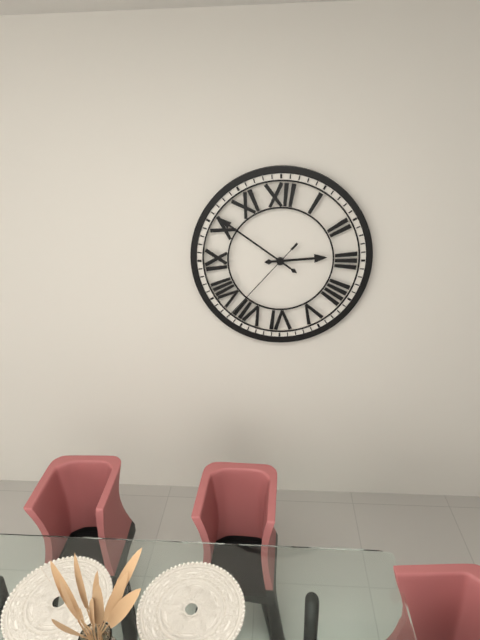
**2:51:37**
